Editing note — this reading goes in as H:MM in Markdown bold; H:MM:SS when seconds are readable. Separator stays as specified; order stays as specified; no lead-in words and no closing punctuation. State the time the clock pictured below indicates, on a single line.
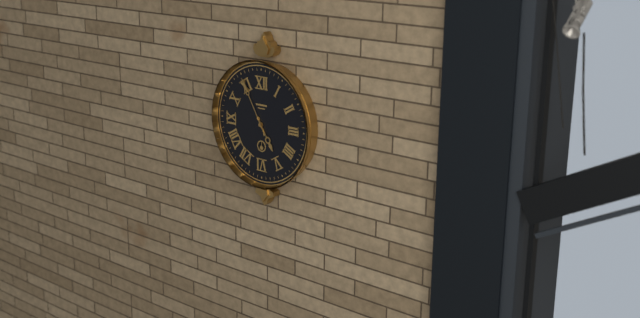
**4:55**
